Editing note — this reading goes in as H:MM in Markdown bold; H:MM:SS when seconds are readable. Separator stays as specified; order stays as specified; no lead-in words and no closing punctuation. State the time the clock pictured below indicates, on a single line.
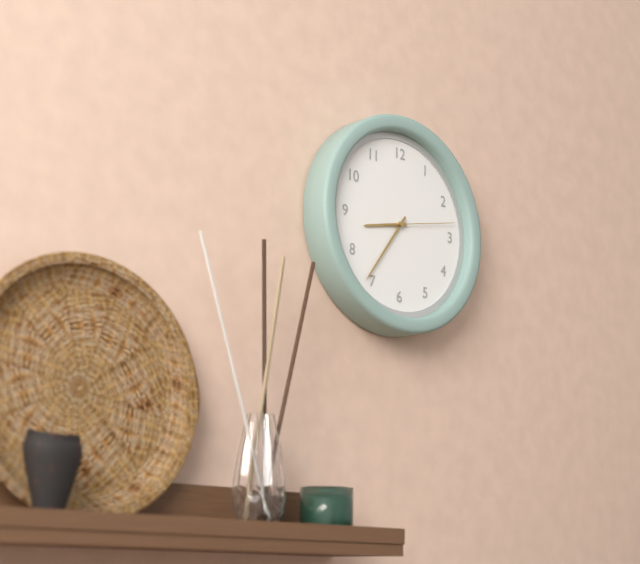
**8:36:13**
